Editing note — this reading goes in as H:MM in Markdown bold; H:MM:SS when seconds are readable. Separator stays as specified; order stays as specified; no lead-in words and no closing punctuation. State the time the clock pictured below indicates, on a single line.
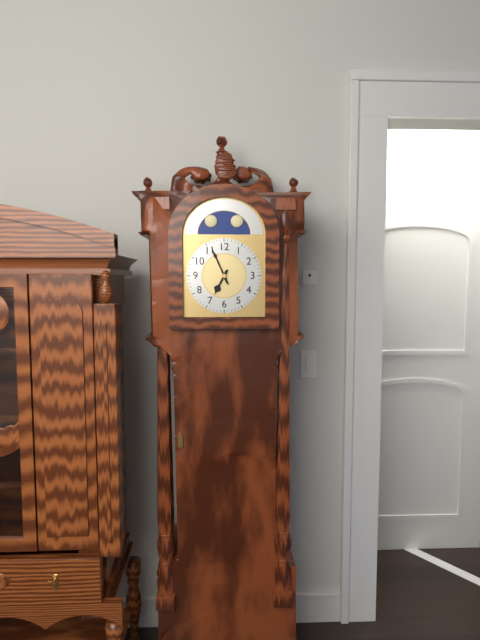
**6:56**
